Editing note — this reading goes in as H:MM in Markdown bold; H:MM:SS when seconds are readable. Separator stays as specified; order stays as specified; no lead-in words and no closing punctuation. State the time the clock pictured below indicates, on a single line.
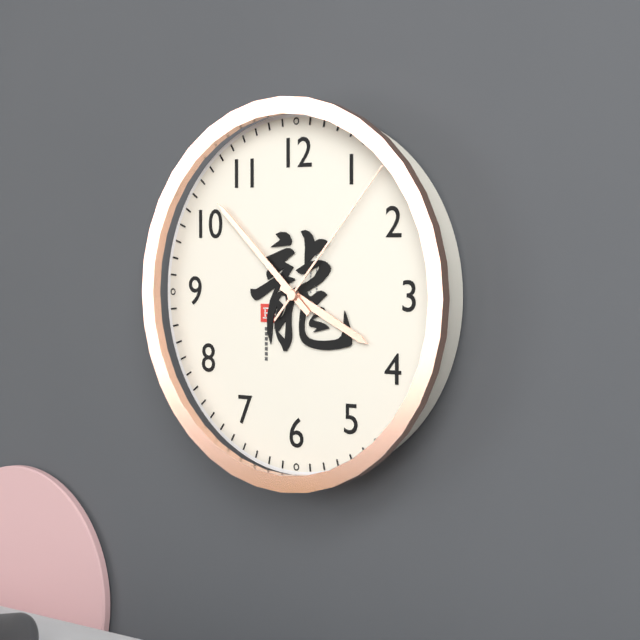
**3:52:07**
